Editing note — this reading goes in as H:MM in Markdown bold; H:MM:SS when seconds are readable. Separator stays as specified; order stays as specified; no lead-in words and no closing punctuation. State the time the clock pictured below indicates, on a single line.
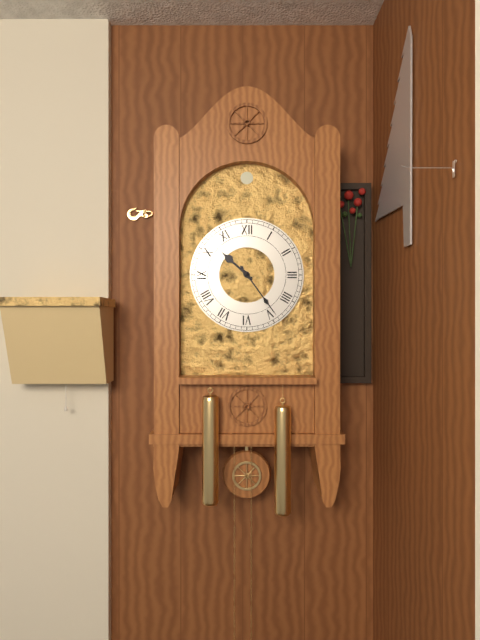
**10:24**
